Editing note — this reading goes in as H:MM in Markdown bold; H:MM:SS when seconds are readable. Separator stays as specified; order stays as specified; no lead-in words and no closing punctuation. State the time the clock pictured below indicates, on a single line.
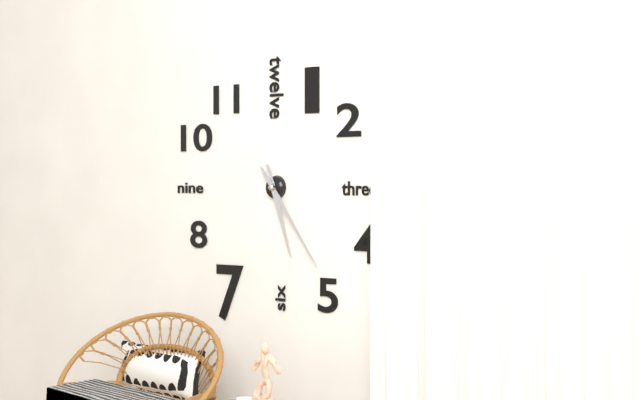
**5:24**
